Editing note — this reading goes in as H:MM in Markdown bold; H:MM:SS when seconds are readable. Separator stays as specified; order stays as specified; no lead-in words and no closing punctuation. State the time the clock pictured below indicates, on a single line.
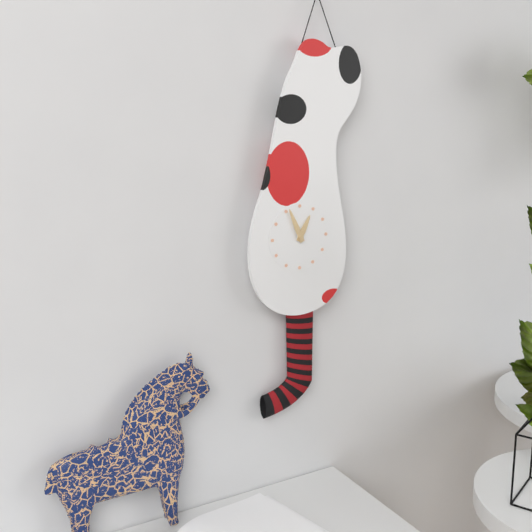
**12:56**
